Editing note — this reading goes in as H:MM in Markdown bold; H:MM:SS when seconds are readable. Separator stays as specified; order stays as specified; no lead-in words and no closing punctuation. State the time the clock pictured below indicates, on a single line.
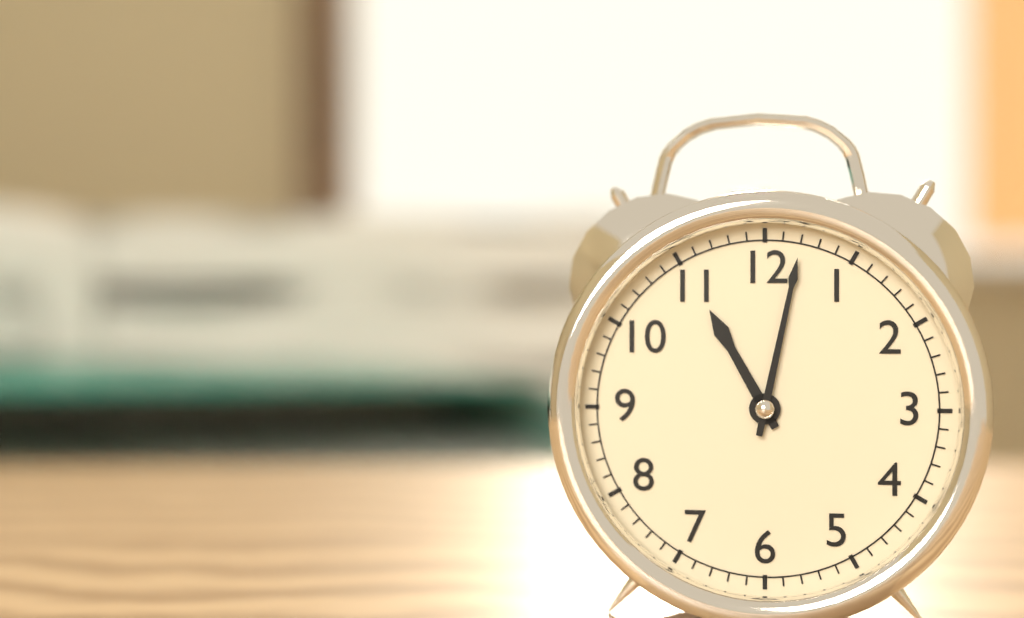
**11:02**
